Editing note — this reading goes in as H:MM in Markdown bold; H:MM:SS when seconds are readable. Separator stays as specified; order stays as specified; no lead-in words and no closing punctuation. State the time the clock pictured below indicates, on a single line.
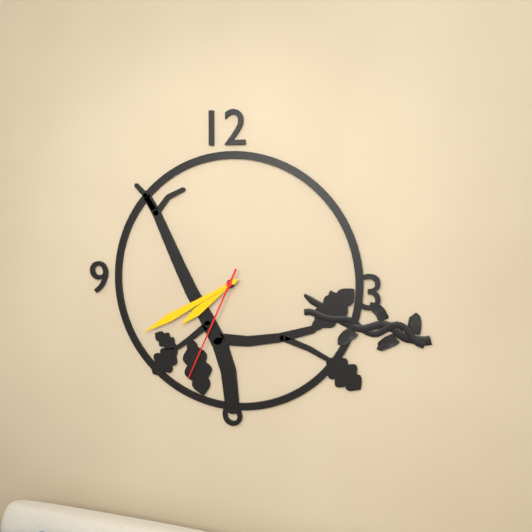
**7:40:34**
